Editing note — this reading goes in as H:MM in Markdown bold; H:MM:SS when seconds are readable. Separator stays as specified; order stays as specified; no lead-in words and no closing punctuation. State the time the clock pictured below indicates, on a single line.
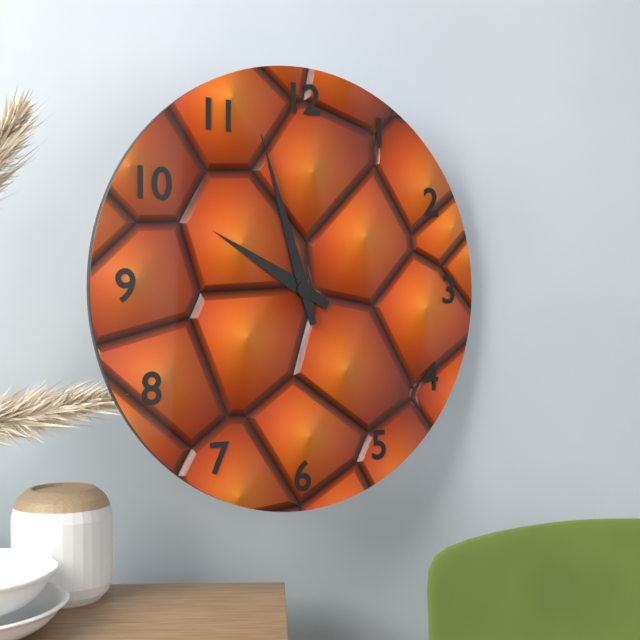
**9:57**
